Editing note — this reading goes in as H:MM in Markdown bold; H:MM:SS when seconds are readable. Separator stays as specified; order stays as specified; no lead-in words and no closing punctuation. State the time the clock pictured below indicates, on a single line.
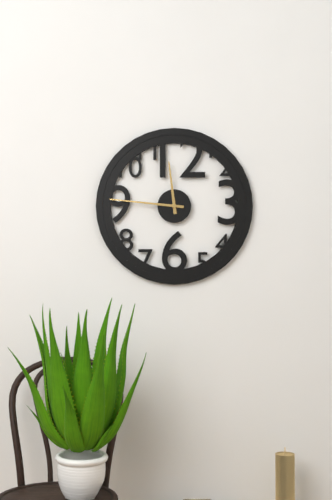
**11:46**
